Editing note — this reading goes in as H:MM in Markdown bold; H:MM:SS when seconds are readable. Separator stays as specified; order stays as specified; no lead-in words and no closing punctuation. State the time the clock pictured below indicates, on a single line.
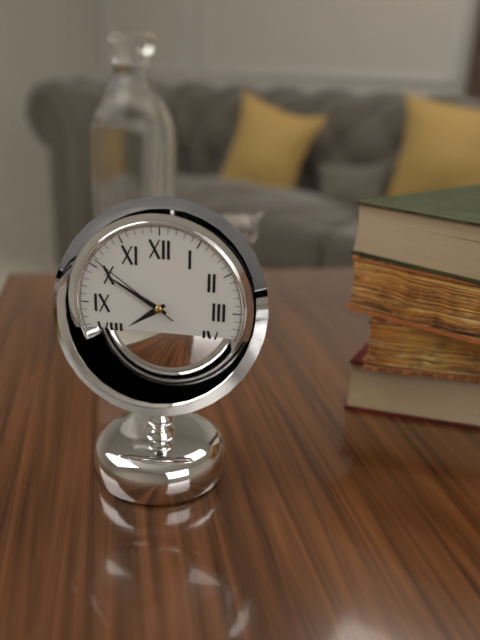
**7:50:51**
